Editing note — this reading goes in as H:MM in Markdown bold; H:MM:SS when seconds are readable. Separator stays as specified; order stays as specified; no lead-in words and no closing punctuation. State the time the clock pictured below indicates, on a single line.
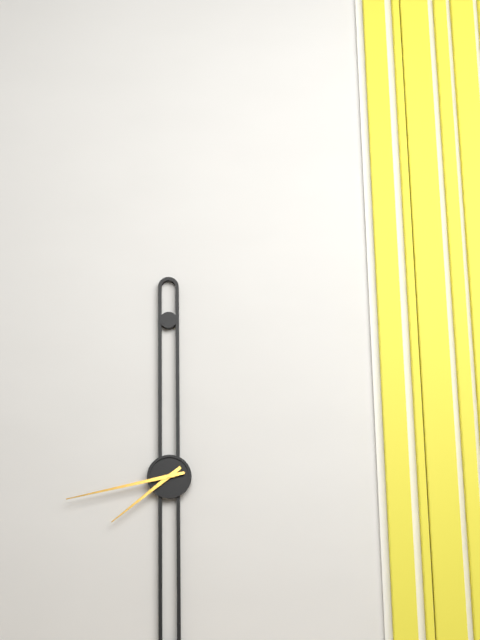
**7:43**
